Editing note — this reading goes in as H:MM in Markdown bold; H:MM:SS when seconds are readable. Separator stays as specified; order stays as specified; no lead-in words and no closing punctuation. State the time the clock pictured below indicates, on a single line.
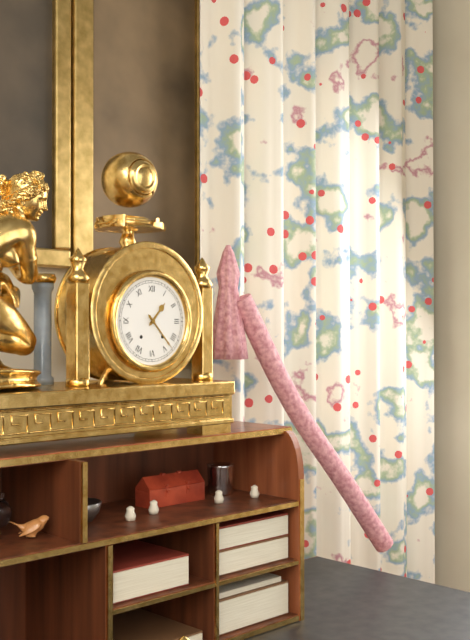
**1:23**
